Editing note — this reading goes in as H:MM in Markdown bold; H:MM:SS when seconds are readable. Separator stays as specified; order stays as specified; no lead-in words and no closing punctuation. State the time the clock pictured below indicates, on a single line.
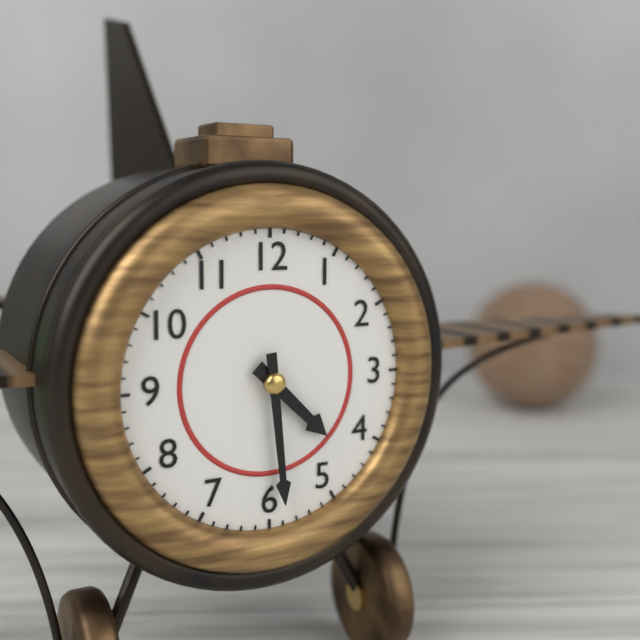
**4:29**
